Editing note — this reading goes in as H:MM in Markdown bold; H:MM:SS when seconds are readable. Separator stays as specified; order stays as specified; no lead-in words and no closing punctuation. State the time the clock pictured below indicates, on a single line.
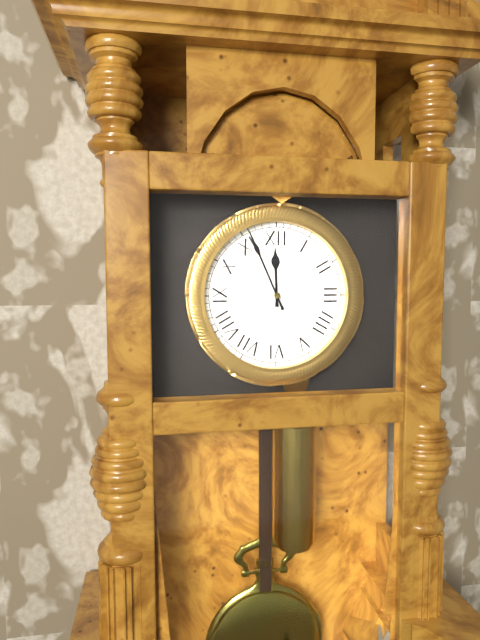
**11:56**
